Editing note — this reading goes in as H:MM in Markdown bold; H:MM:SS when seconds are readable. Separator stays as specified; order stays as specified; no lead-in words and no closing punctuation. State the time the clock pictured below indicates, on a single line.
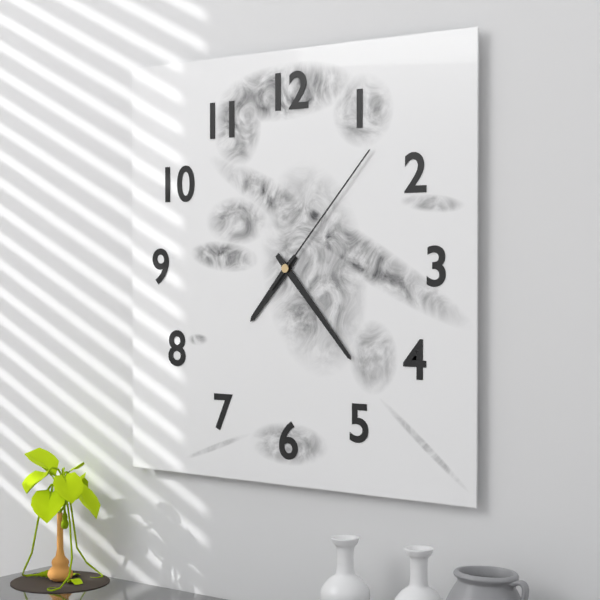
**7:23:07**
